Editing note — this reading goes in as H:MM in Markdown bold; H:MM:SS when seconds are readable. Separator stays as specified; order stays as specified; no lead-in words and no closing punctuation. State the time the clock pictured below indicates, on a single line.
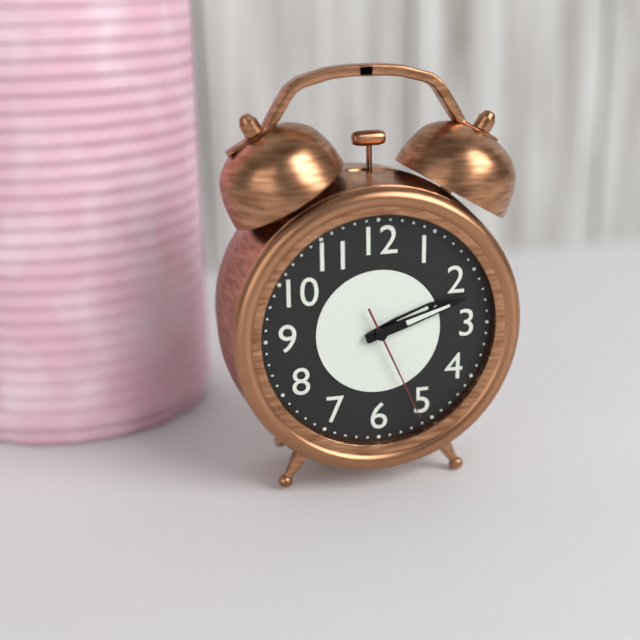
**2:12:26**
